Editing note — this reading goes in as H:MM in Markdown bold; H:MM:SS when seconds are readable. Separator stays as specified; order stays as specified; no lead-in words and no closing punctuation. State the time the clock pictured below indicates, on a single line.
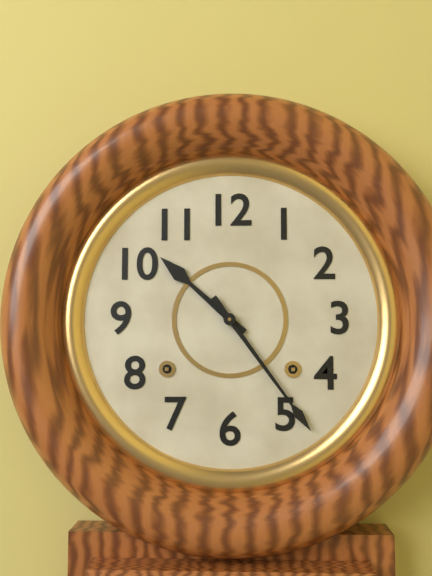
**10:24**
